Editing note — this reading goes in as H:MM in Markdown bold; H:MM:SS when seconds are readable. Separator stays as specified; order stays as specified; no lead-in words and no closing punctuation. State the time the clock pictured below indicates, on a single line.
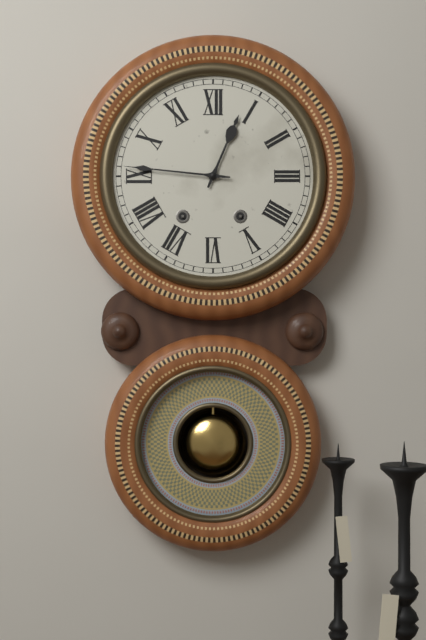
**12:46**
